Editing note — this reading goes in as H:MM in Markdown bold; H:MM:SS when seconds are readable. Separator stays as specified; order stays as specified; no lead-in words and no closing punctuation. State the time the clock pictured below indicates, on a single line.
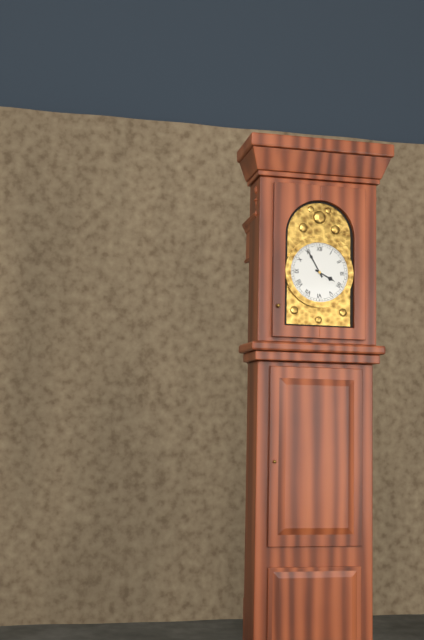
**3:55**
